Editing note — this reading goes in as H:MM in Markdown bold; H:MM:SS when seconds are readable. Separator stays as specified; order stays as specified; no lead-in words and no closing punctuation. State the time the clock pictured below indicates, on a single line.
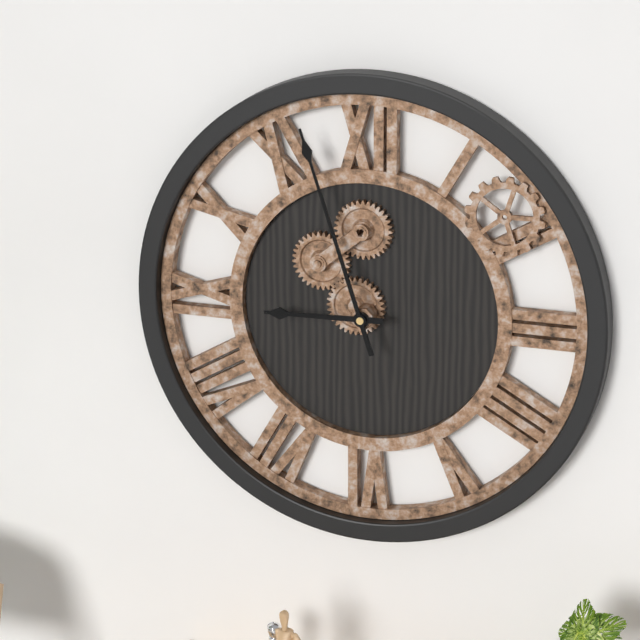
**8:57**
